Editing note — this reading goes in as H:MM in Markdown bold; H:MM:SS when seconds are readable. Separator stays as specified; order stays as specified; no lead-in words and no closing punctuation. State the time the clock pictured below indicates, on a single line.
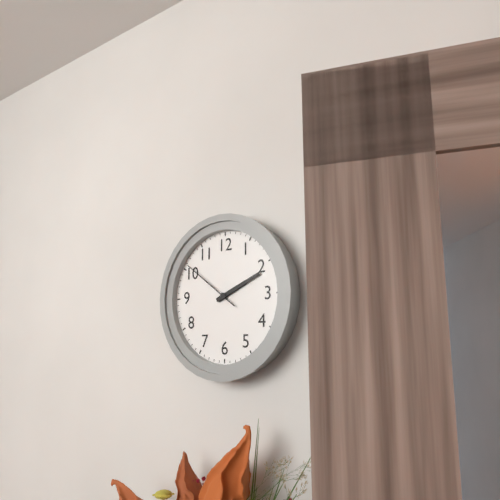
**2:11:51**
